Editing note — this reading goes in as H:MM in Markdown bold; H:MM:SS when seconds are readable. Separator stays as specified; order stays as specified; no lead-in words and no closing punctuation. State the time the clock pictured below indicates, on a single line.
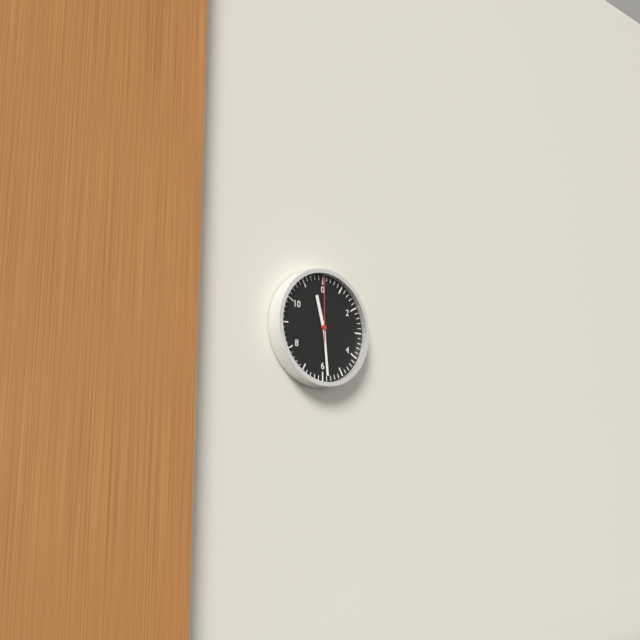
**11:29:00**
